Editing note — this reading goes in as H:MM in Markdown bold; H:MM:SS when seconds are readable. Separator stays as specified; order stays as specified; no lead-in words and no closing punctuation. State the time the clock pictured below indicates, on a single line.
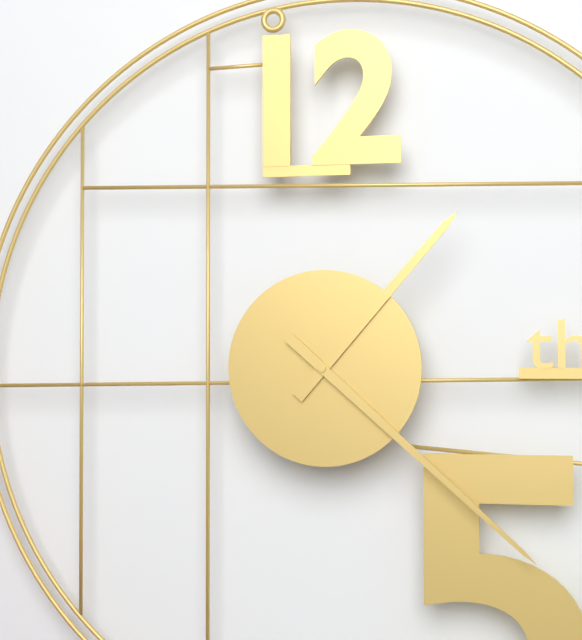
**1:22**
